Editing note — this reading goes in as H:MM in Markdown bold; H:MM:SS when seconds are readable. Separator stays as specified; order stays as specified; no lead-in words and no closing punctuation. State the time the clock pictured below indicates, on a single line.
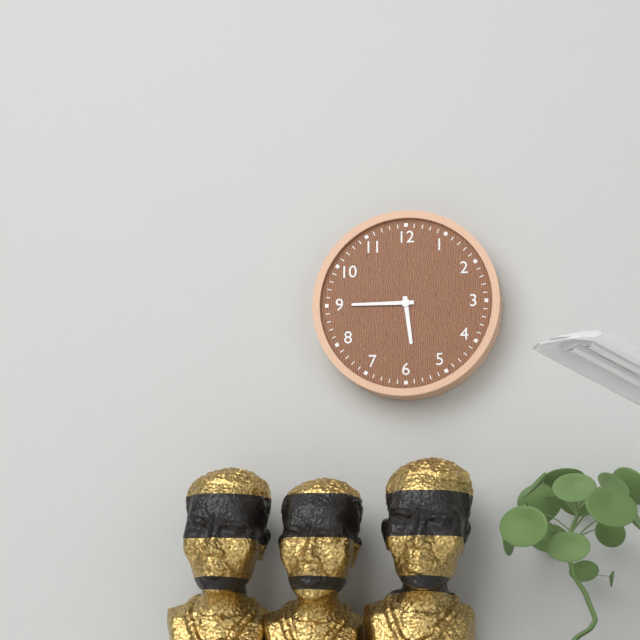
**5:45**
